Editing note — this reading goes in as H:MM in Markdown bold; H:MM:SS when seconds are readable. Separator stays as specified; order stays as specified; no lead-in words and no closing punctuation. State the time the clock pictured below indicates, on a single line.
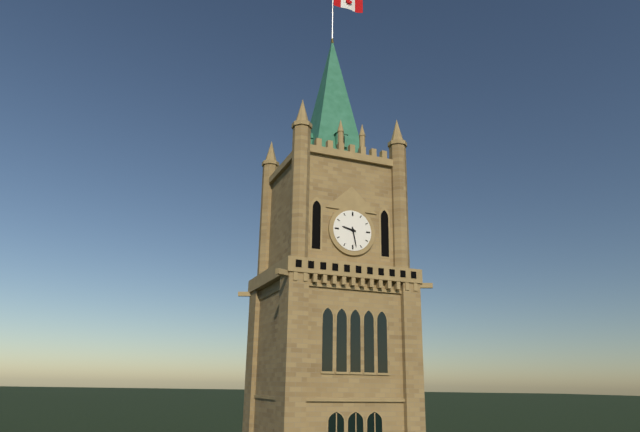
**9:28**
